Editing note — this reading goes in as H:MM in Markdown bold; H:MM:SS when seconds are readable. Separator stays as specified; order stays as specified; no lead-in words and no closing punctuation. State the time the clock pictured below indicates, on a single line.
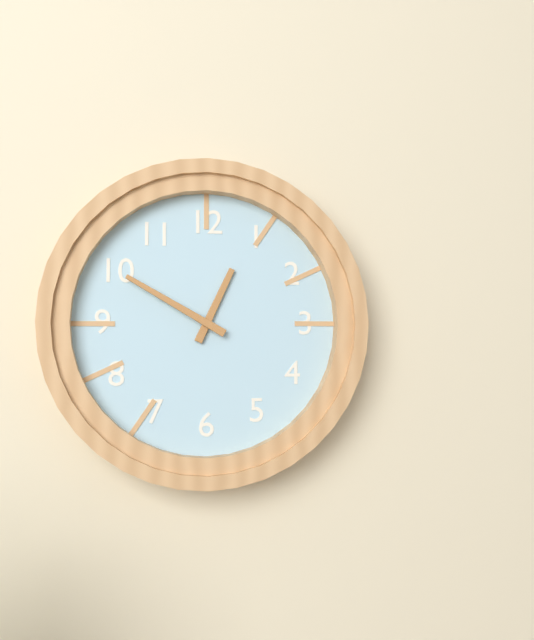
**12:50**
